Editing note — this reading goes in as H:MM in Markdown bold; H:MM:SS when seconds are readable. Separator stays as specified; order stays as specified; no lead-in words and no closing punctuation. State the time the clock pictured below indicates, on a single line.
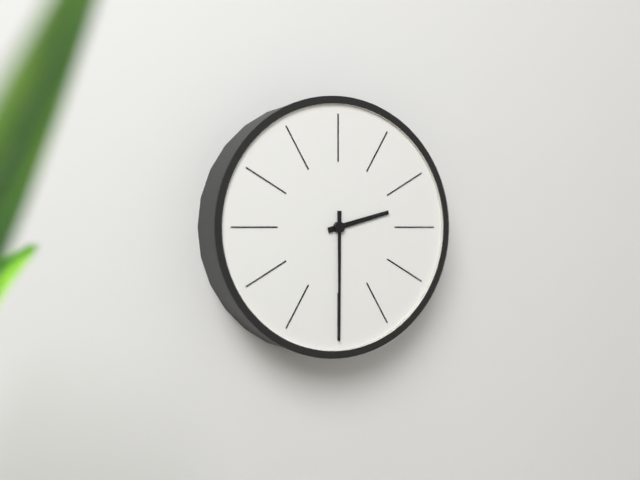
**2:30**
